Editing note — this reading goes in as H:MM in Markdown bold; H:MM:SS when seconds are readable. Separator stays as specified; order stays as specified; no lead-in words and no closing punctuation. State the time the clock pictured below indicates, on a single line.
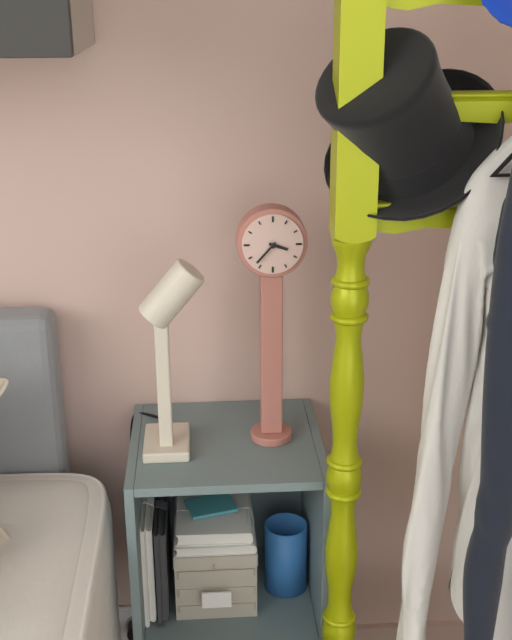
**3:37**
